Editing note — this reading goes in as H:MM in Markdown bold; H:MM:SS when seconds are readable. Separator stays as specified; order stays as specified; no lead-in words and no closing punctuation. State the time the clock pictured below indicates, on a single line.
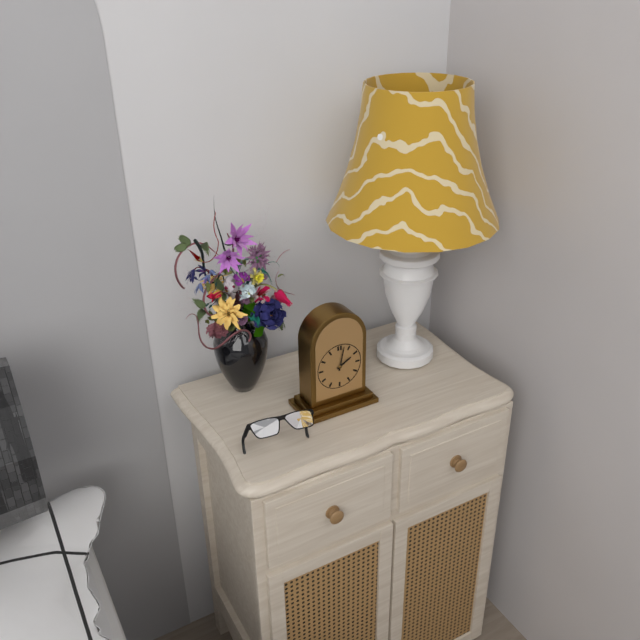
**2:02**
